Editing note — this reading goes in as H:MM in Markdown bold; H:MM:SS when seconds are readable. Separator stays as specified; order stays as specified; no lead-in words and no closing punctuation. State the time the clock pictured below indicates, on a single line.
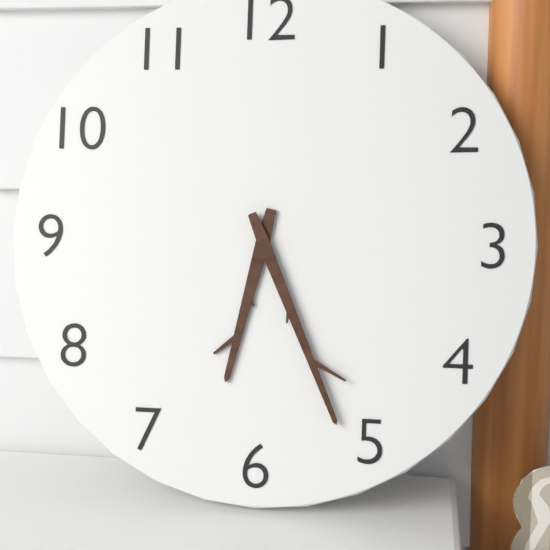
**6:26**
